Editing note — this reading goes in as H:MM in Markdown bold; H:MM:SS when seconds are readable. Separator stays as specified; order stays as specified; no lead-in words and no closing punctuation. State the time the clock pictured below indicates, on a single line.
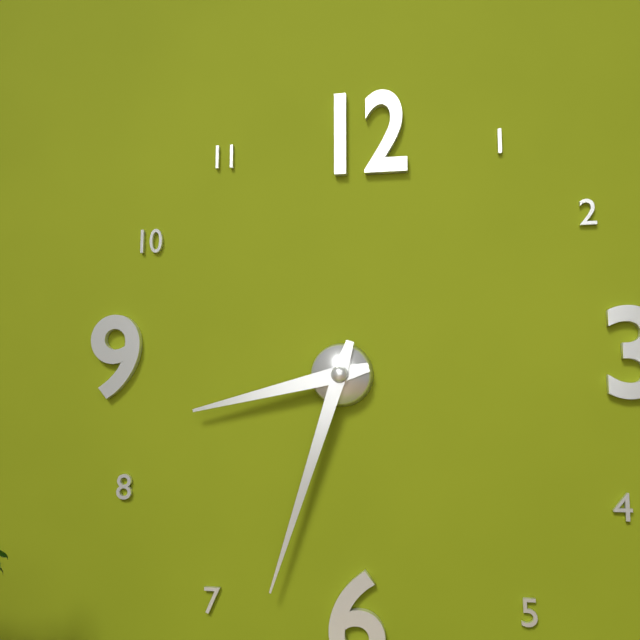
**8:33**
